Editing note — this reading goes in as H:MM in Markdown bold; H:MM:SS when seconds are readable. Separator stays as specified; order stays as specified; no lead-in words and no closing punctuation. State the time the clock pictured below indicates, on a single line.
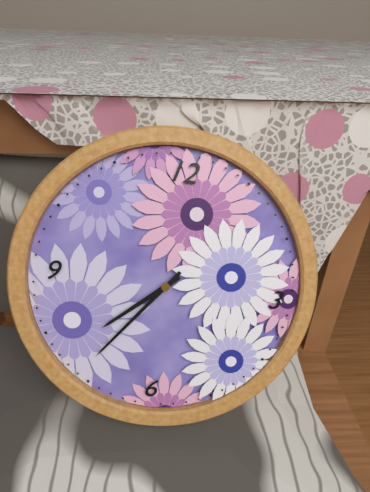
**7:36**
